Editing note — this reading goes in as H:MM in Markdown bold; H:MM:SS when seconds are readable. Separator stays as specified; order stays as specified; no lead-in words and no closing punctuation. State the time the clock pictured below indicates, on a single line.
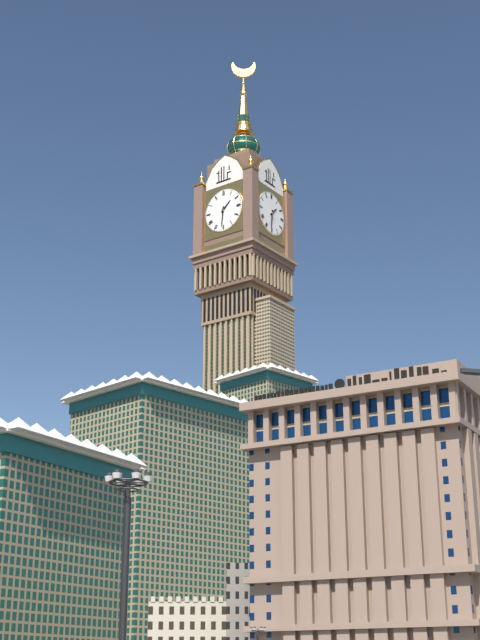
**1:31**
